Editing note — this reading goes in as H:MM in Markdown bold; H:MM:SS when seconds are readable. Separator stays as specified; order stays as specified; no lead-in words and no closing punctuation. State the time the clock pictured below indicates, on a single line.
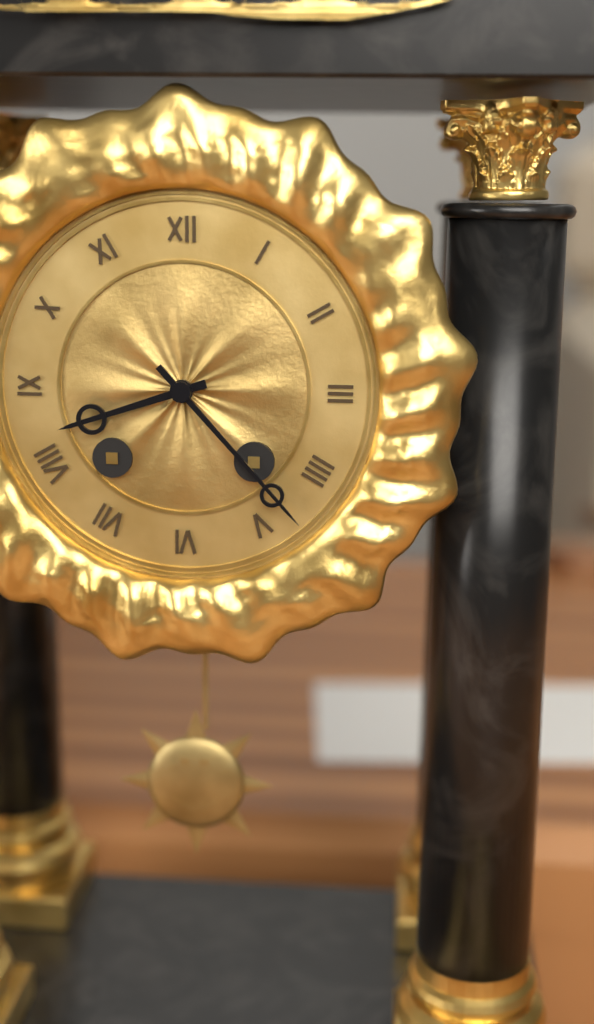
**8:23**
